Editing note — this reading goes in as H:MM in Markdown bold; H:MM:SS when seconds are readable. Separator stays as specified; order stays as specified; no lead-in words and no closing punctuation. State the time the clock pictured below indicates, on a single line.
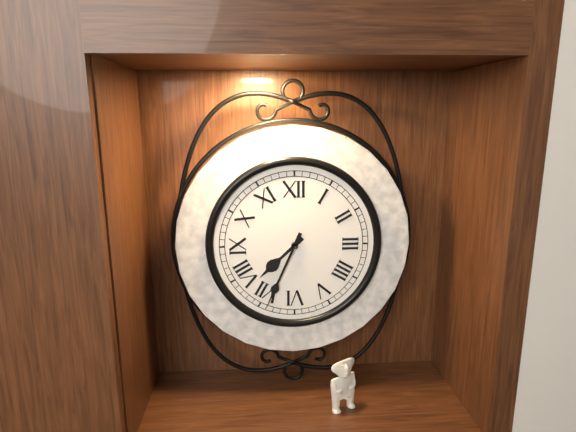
**7:34**
